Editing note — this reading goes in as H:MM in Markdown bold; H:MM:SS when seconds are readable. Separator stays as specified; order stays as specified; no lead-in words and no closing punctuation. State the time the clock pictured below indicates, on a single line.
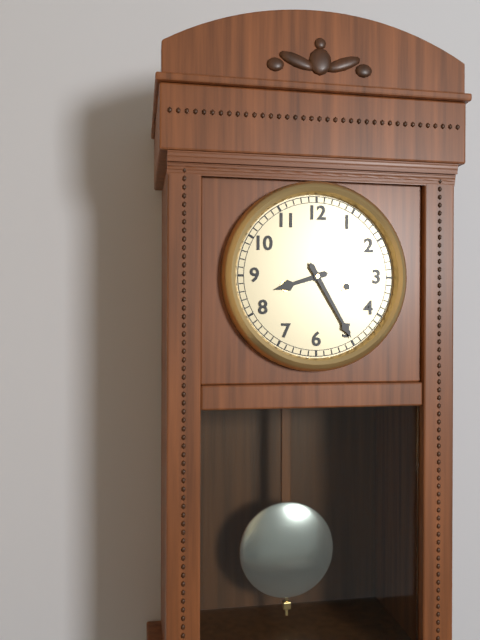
**8:25**
